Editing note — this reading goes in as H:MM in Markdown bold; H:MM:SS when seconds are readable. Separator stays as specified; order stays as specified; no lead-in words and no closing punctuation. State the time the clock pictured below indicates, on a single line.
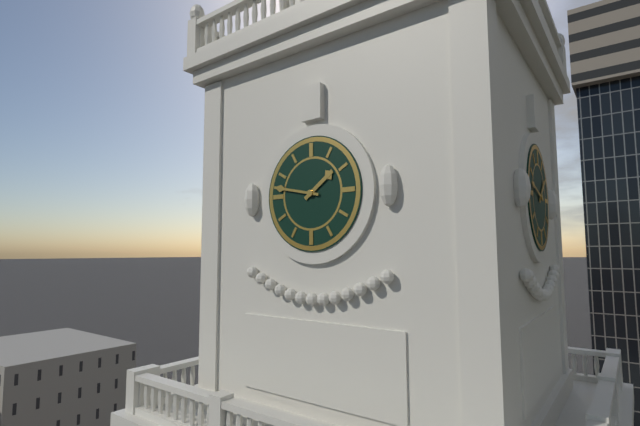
**1:47**
